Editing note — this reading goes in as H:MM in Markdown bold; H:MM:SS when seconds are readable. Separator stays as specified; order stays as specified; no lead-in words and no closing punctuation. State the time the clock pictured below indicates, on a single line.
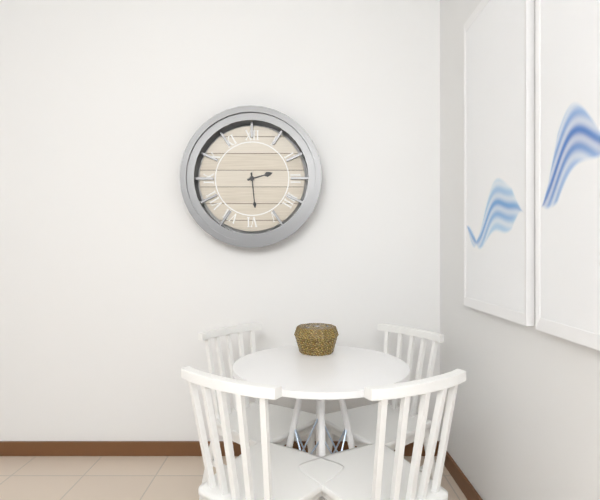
**2:29**
